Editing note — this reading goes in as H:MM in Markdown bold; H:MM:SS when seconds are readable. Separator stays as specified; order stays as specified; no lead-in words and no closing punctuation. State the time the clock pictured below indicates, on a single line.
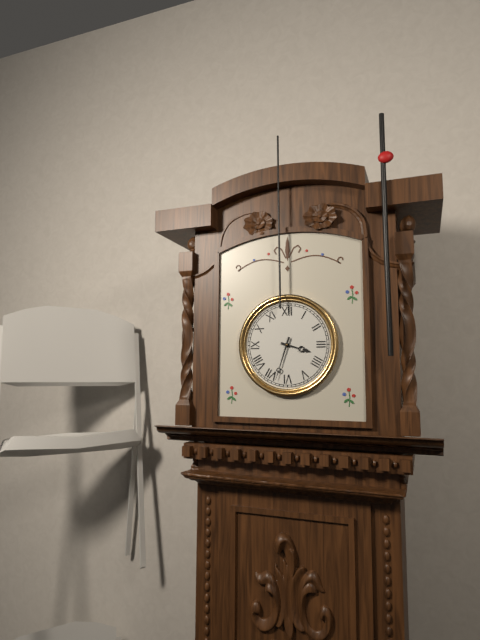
**3:33**
